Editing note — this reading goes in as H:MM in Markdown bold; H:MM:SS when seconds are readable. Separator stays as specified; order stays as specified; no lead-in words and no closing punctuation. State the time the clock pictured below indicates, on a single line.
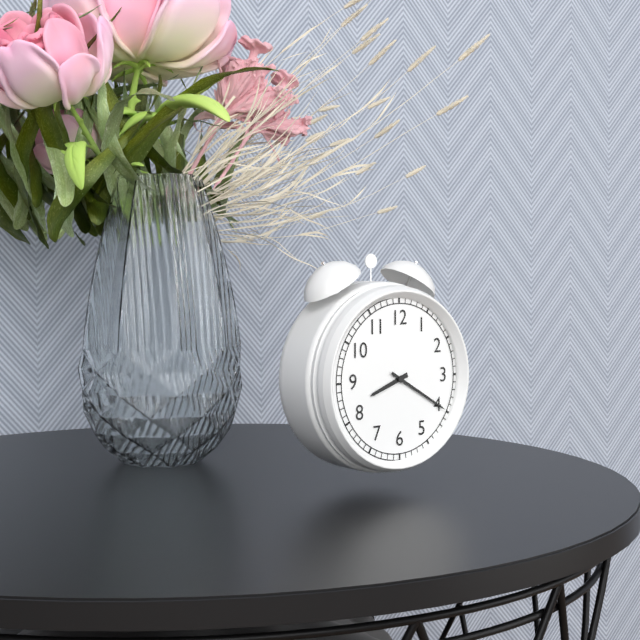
**8:20**
